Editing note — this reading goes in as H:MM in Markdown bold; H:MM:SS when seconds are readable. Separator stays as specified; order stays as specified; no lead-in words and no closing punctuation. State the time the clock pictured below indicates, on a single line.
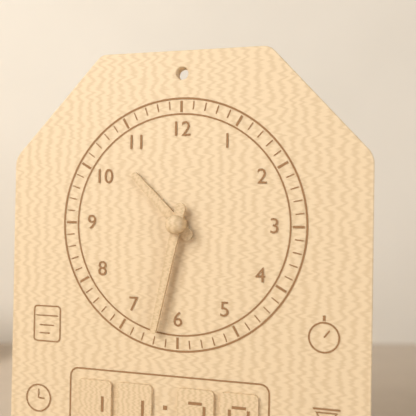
**10:32**
